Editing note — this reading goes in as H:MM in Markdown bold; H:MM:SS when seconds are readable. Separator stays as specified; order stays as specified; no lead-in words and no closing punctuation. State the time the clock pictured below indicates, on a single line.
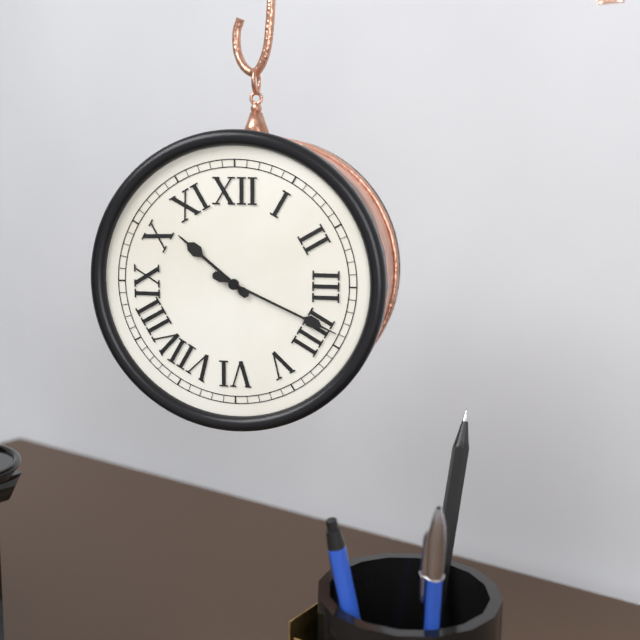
**10:19**
